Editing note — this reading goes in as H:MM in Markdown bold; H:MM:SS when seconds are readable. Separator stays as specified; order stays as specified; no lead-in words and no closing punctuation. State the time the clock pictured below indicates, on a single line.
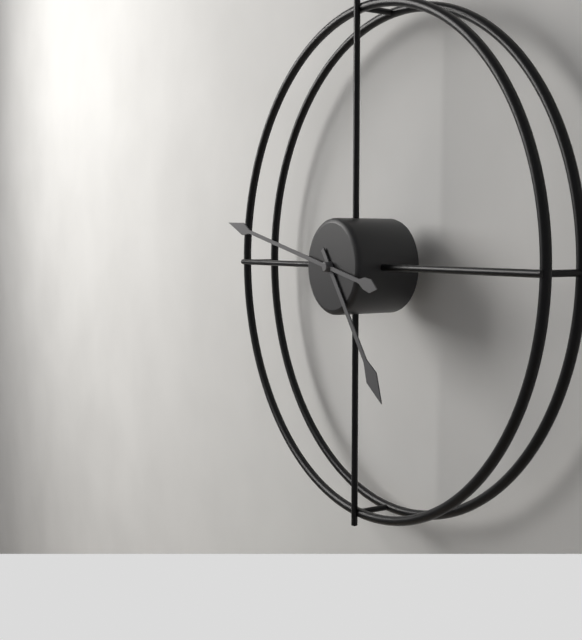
**4:47**
